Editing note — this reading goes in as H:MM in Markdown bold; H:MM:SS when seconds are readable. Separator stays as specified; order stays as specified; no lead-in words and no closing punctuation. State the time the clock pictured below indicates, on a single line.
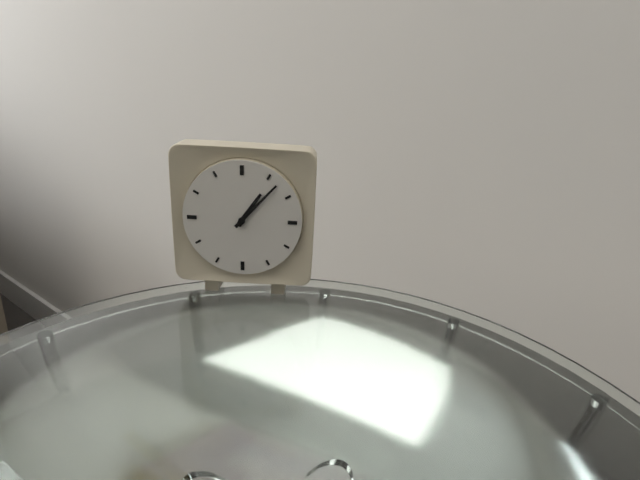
**1:07**
